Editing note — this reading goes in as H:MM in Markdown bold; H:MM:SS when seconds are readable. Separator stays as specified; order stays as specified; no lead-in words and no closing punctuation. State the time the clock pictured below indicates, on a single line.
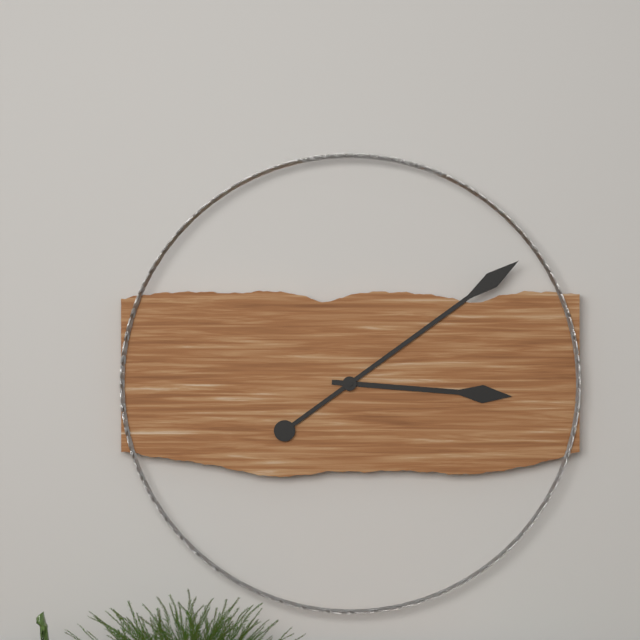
**3:09**
